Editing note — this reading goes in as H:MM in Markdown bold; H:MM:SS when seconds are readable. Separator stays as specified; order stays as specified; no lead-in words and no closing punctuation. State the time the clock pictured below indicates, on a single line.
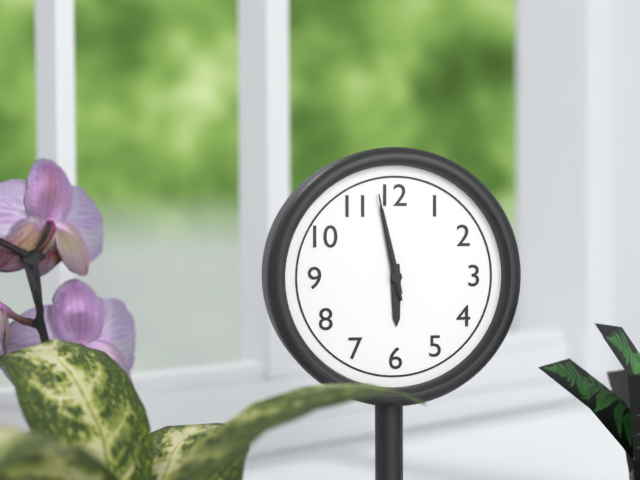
**5:58:58**
